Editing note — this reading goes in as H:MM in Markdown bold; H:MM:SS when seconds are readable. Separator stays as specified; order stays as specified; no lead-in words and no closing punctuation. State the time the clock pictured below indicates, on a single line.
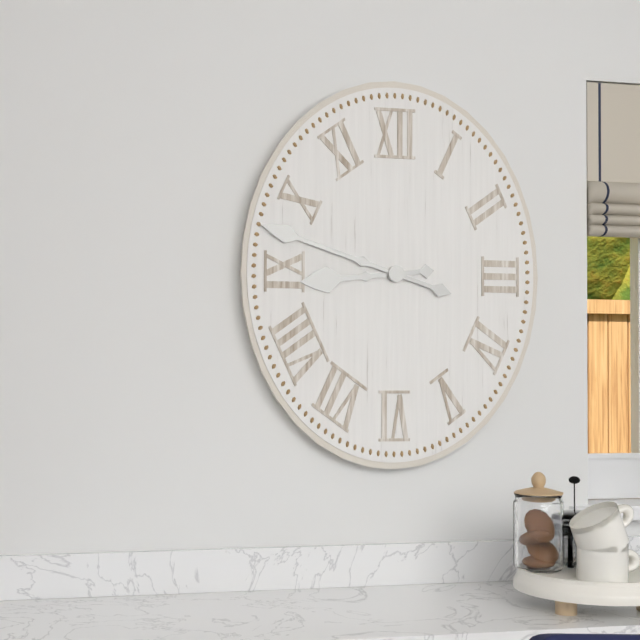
**8:48**
